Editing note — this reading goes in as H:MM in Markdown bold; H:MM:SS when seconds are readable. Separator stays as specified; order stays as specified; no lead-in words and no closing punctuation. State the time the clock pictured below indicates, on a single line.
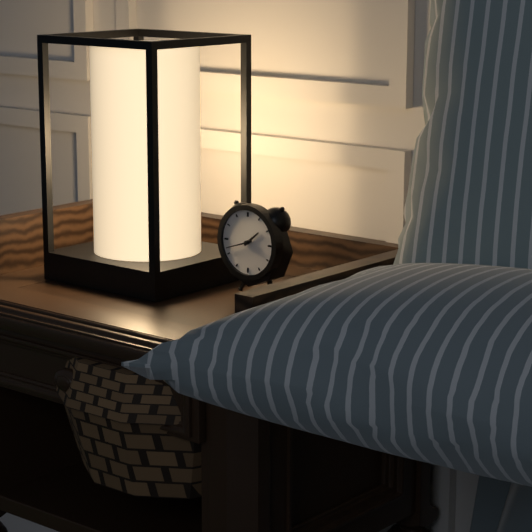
**1:42**
